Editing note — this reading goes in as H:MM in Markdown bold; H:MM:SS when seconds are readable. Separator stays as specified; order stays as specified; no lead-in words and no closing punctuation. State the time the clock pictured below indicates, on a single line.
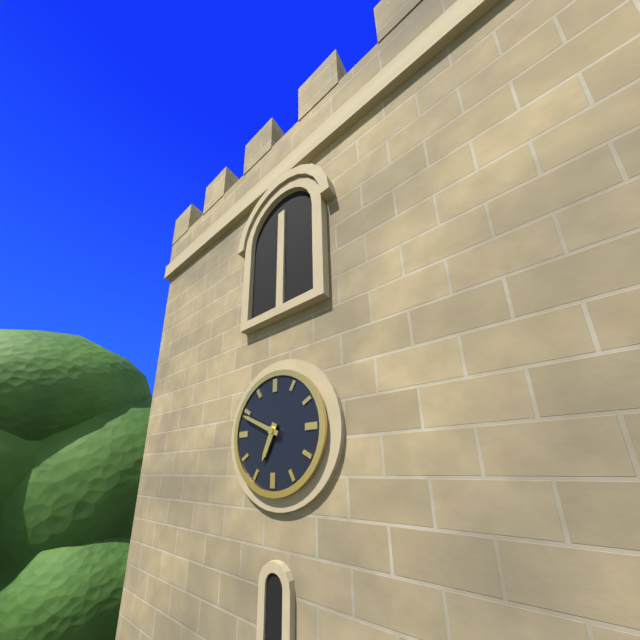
**6:49**
